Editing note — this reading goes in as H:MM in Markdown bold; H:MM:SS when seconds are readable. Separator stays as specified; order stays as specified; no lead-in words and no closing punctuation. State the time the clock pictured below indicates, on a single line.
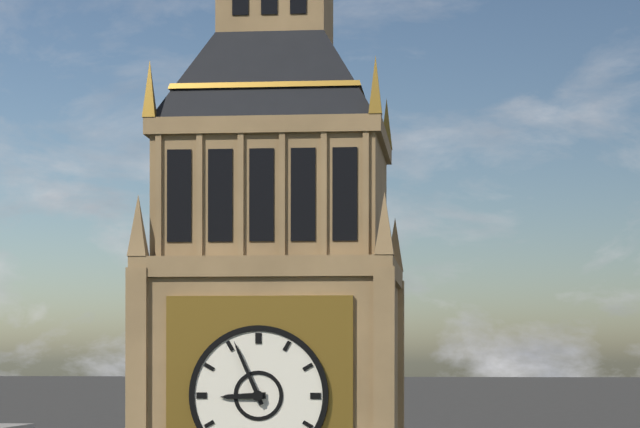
**8:56**
